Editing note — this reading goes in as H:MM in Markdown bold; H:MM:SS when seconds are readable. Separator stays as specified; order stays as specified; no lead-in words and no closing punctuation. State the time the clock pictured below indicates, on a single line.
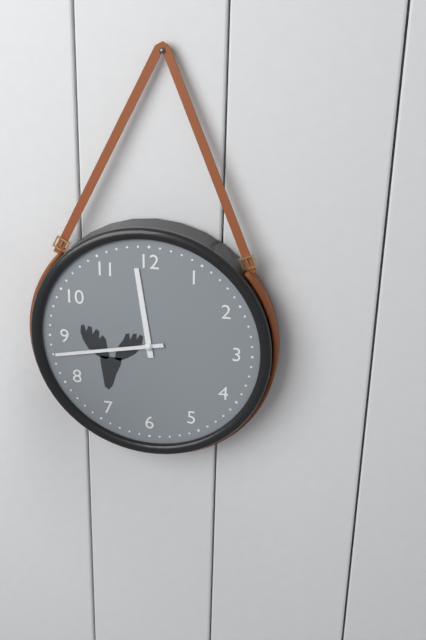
**11:43**
